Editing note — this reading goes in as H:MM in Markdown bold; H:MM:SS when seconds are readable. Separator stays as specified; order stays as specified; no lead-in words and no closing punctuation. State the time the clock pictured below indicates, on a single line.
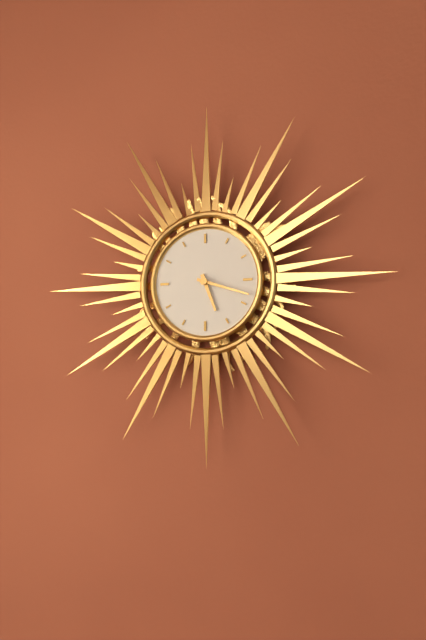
**5:18**
